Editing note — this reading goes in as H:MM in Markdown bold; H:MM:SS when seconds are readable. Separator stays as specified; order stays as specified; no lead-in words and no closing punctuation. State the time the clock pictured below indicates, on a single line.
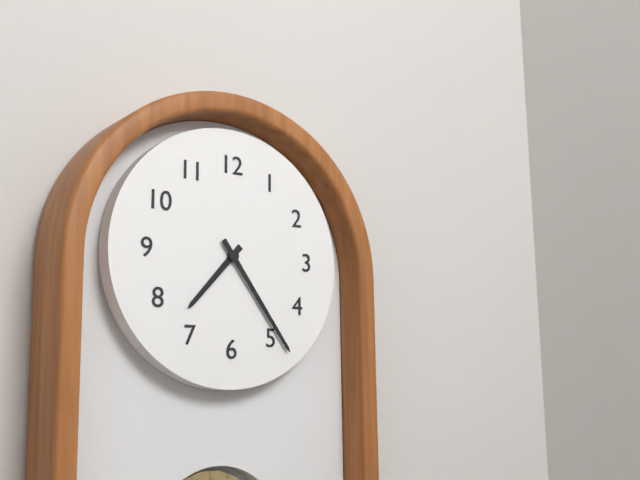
**7:24**
